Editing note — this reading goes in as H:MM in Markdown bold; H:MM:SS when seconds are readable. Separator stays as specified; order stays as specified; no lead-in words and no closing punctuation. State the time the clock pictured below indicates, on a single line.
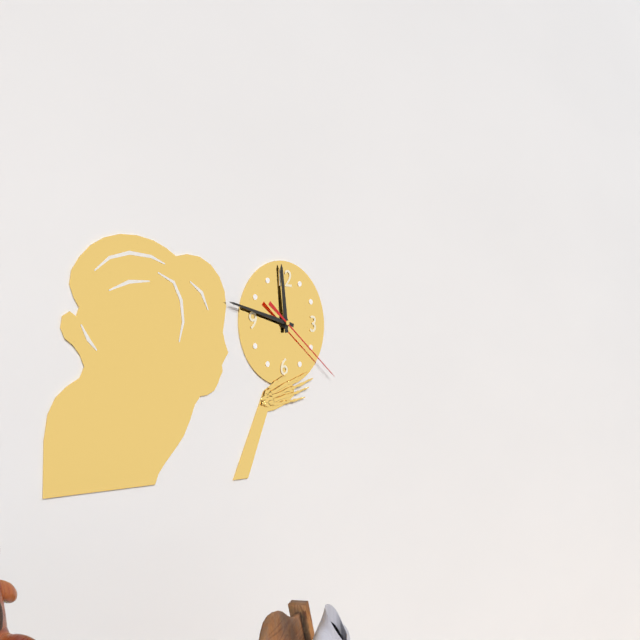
**11:47:21**
